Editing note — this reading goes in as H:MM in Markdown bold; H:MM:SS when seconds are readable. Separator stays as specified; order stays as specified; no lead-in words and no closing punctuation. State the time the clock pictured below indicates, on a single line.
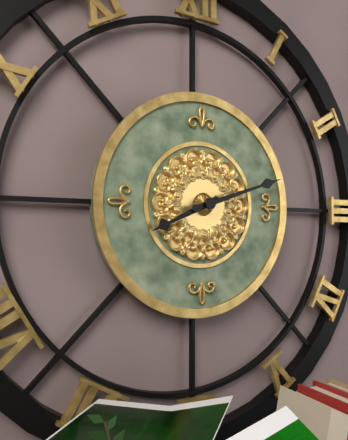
**8:12**
